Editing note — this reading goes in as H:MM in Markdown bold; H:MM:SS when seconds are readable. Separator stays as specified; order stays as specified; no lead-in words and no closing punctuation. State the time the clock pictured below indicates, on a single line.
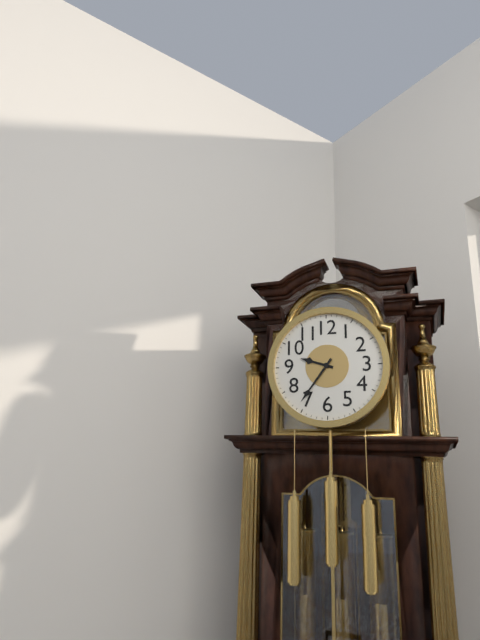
**9:36**
